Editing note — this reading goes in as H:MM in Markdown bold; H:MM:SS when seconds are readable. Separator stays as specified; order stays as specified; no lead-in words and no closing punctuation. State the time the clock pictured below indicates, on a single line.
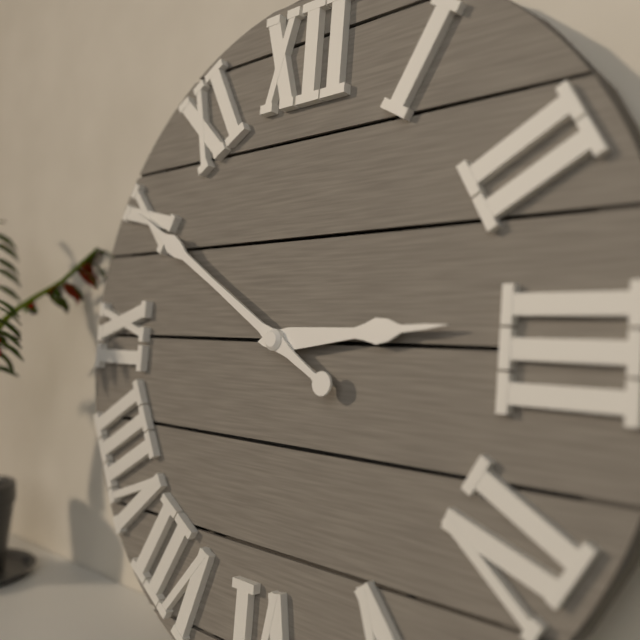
**2:50**
